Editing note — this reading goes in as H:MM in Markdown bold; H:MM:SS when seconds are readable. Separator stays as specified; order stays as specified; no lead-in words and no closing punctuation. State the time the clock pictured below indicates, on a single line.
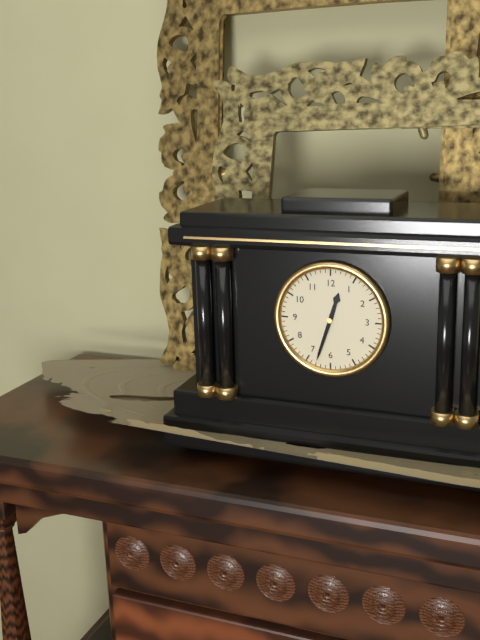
**12:33**
